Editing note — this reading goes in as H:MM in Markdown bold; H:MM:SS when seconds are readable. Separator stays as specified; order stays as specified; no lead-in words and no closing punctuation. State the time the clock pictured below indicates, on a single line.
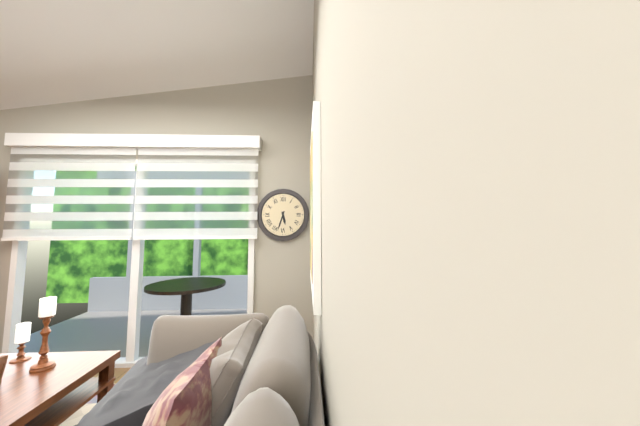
**5:33**
